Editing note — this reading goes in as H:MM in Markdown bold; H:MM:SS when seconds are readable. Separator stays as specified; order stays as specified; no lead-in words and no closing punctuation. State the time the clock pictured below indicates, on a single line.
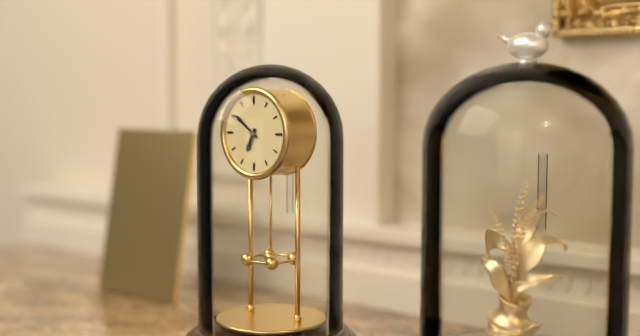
**6:51**
